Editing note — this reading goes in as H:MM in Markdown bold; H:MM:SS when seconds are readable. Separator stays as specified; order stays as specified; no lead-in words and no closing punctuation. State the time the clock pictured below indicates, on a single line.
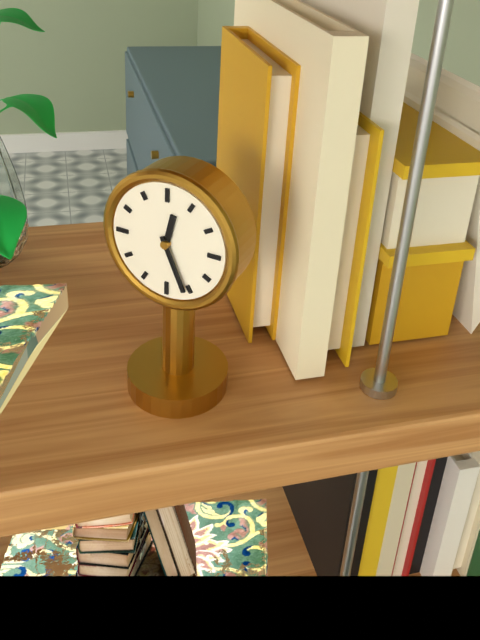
**12:26**
